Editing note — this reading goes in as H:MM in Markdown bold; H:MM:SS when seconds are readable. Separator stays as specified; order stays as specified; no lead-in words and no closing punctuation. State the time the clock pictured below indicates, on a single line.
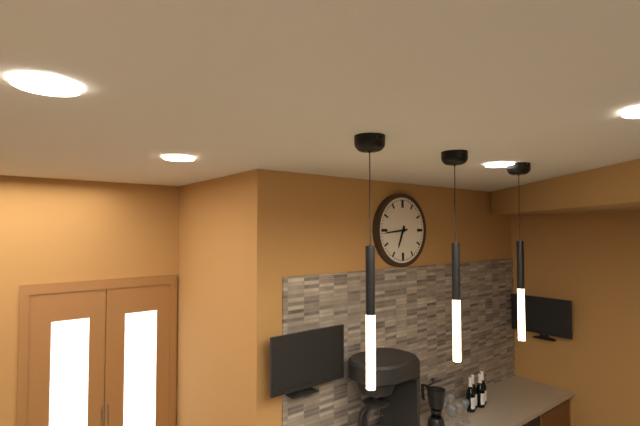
**6:44**
